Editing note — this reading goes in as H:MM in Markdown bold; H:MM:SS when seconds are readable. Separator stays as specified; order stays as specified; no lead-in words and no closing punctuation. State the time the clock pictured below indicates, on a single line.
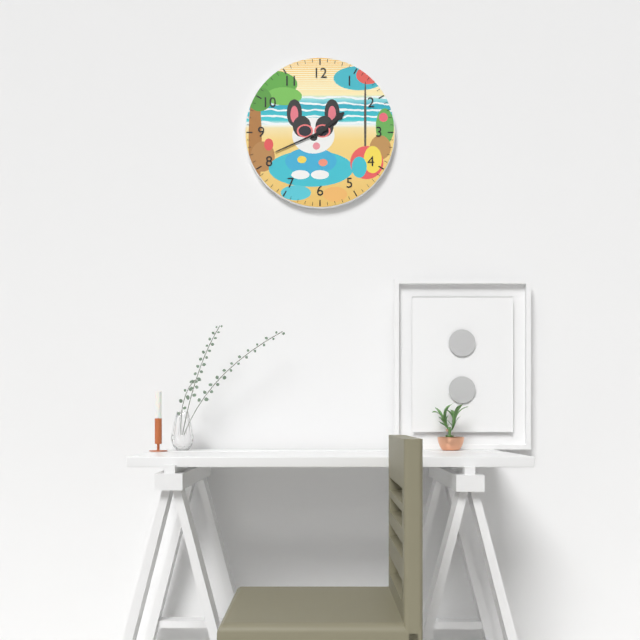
**1:41**
